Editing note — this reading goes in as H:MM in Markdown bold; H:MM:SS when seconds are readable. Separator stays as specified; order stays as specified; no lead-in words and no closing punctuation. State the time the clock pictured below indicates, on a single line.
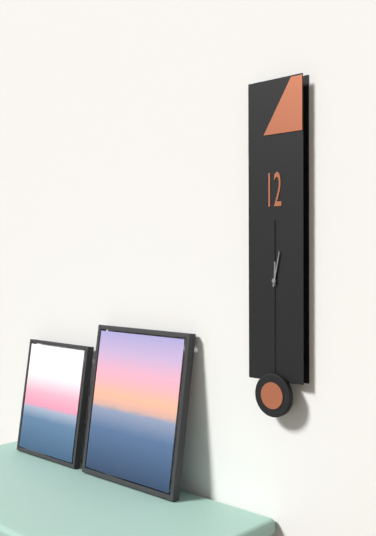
**12:02**
